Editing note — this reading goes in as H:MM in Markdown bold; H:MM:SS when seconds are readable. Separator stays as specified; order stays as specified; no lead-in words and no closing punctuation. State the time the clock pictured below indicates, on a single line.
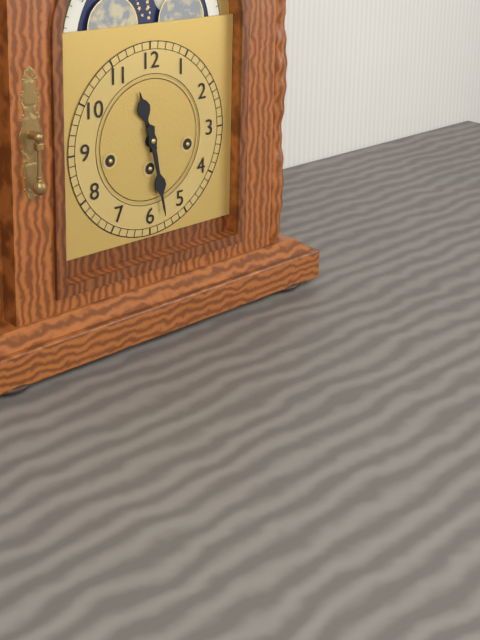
**11:28**
